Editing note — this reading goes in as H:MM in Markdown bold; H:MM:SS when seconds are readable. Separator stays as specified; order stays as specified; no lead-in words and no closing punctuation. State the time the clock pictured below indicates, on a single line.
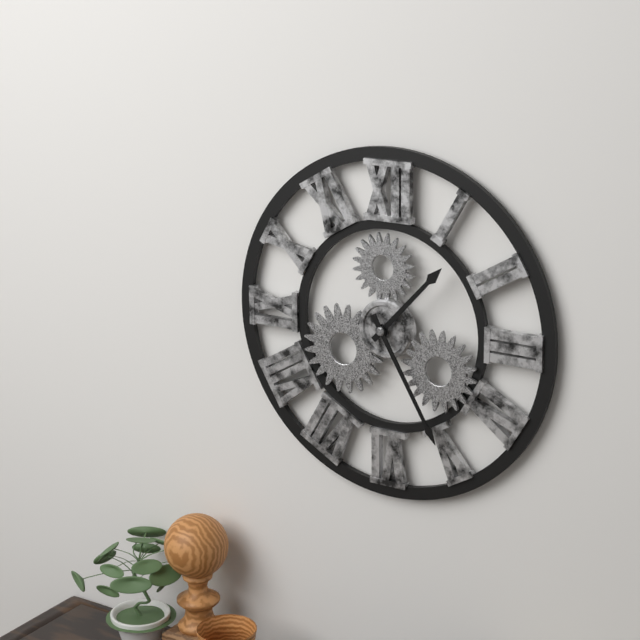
**1:25**
